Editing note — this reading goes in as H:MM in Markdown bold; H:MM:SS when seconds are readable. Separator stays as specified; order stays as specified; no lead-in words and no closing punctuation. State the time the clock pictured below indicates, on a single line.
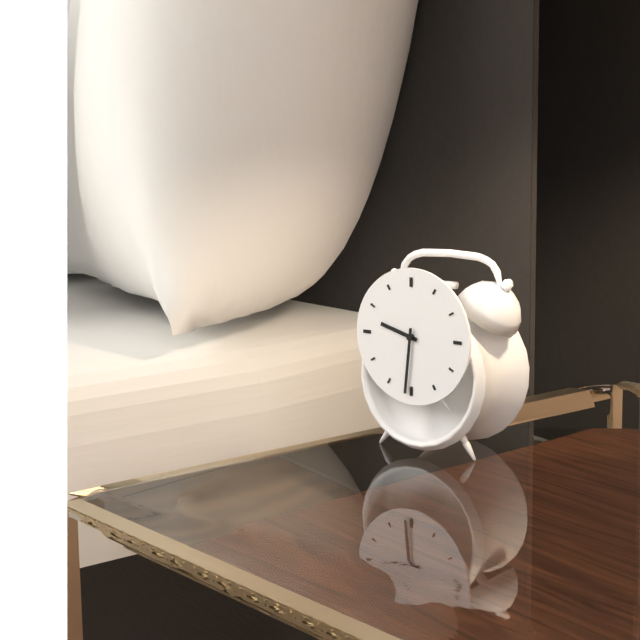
**9:31**
